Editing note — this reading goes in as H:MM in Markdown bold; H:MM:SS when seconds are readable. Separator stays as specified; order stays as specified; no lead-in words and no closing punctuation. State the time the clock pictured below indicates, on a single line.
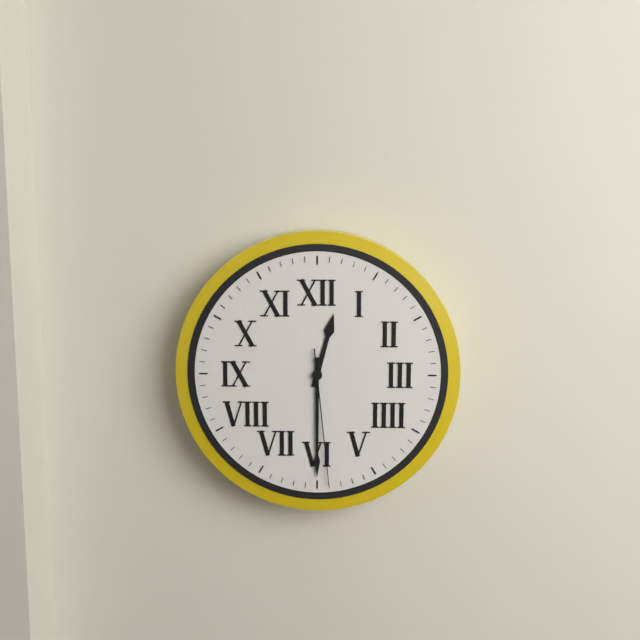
**12:30:29**
